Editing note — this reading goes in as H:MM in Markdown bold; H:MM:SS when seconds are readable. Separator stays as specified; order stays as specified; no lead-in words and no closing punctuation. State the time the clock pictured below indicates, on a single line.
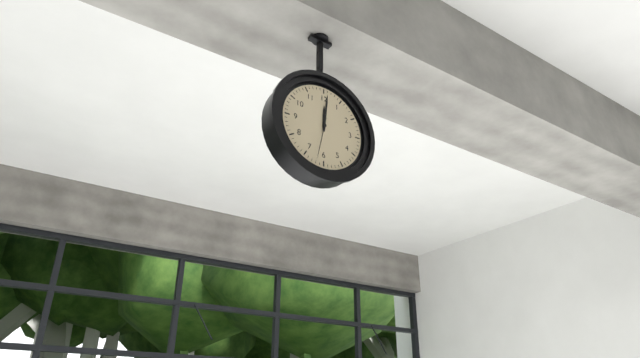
**12:01**
